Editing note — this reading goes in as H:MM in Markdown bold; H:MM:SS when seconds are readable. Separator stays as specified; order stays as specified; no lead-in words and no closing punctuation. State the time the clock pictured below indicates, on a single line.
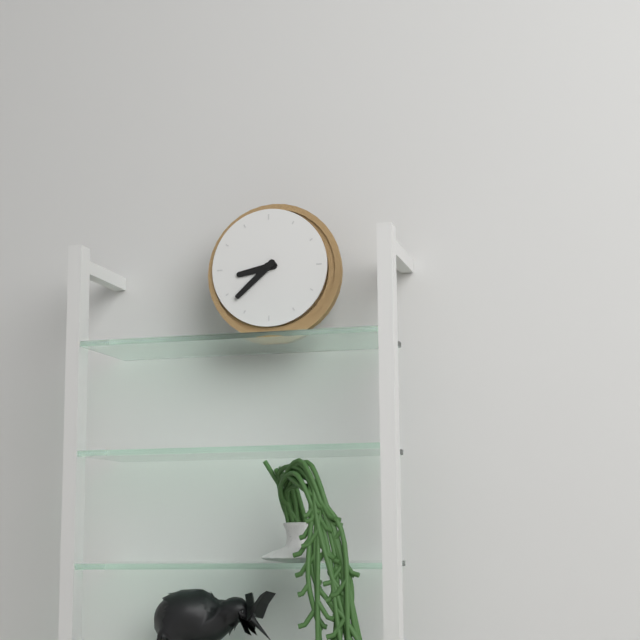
**8:38**
